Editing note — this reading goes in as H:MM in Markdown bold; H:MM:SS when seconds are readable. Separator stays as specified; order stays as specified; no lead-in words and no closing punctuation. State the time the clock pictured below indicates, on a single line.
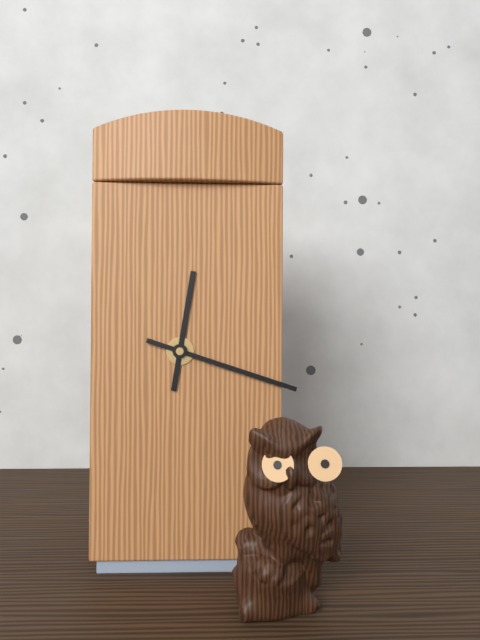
**12:18**
